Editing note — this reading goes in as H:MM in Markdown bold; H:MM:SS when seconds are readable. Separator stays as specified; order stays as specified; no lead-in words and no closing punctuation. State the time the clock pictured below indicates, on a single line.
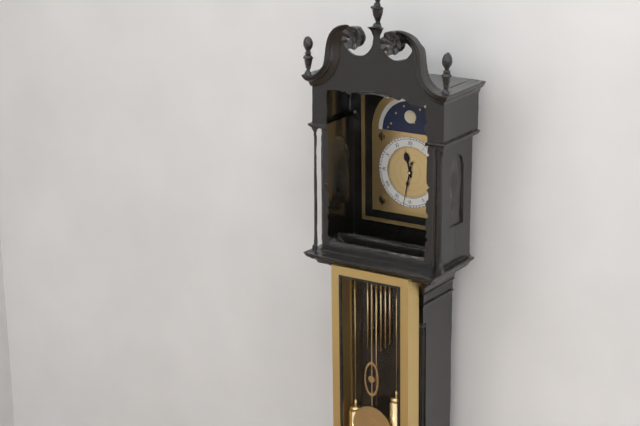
**11:32**
